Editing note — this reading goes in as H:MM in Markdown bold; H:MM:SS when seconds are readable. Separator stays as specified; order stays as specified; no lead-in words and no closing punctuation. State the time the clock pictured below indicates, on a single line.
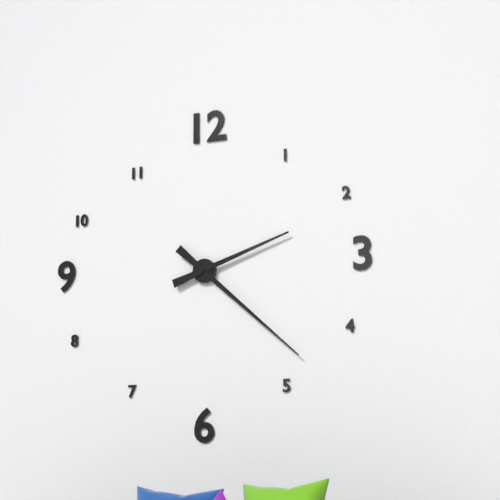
**2:22**
